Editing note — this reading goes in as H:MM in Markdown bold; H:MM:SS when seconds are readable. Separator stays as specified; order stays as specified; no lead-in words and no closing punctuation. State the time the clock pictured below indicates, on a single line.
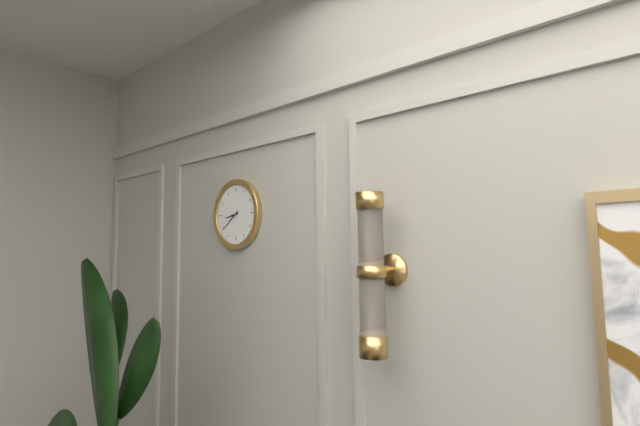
**8:39**
